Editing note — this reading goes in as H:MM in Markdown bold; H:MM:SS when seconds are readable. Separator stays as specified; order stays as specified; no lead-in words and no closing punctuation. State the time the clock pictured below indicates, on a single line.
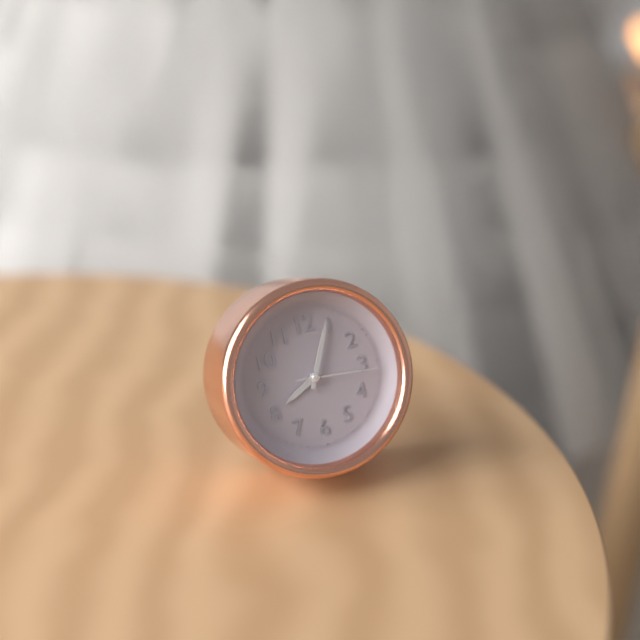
**8:04:16**
